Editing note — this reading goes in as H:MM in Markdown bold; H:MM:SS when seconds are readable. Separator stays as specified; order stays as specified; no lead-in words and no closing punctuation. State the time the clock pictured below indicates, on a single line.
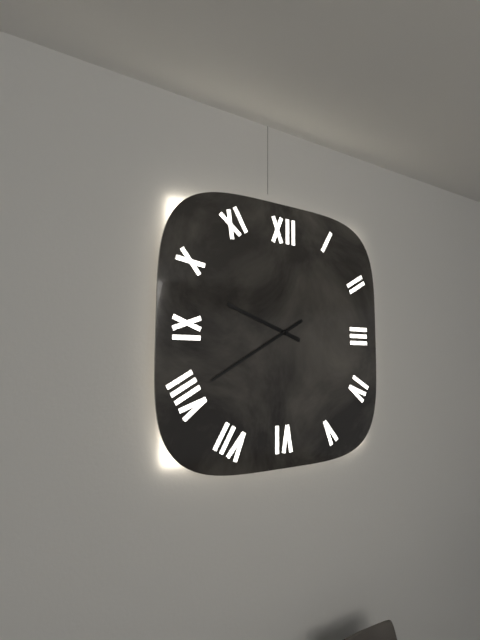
**9:40**
